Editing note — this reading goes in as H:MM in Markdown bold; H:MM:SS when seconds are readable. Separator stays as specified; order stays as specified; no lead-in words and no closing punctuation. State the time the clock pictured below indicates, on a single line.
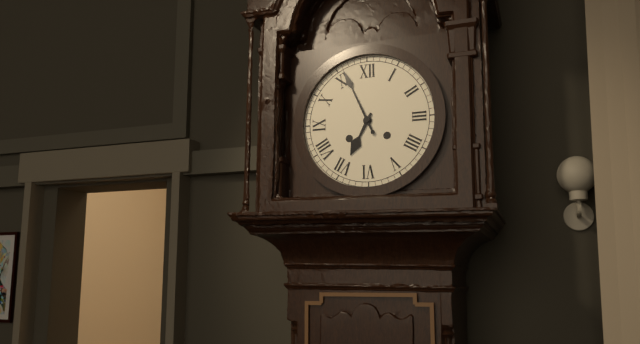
**6:56**
